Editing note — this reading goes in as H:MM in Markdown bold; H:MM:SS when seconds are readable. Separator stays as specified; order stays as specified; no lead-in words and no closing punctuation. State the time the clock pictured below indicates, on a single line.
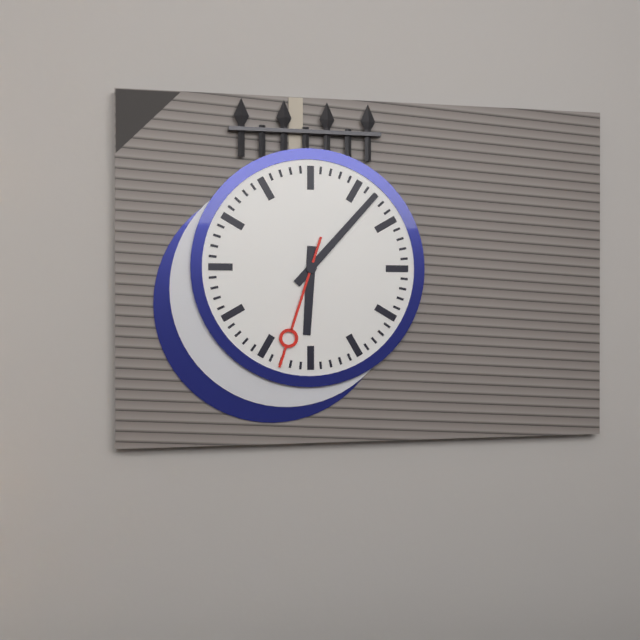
**6:07:33**
